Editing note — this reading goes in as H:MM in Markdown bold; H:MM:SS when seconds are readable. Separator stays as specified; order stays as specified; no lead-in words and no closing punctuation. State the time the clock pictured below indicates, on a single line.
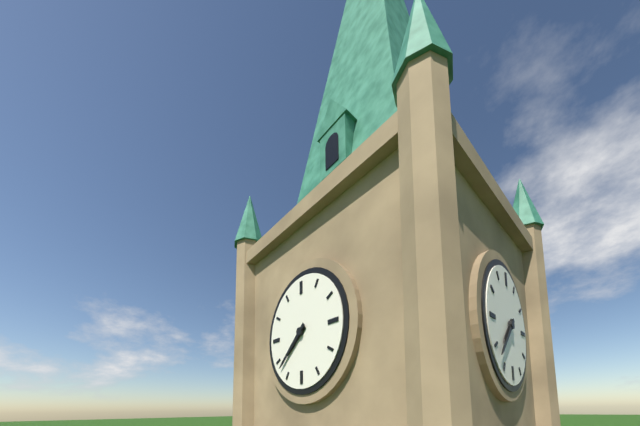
**7:38**
